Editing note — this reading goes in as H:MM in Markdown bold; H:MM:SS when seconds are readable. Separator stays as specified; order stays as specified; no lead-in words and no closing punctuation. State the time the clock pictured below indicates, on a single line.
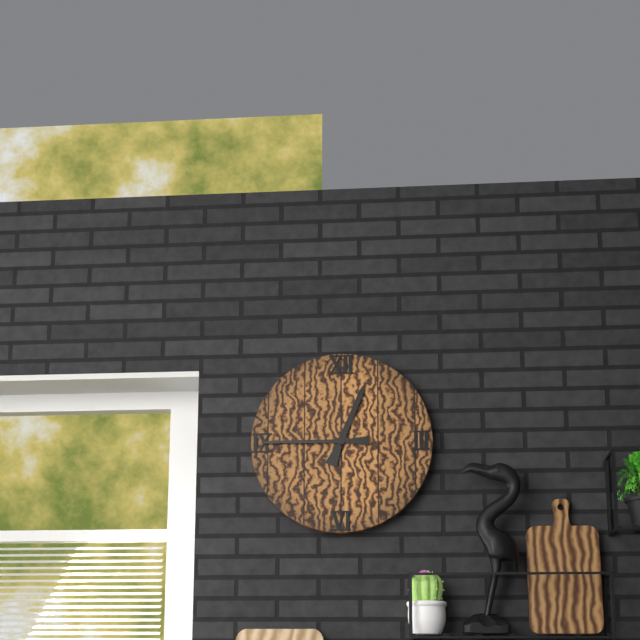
**12:45**
